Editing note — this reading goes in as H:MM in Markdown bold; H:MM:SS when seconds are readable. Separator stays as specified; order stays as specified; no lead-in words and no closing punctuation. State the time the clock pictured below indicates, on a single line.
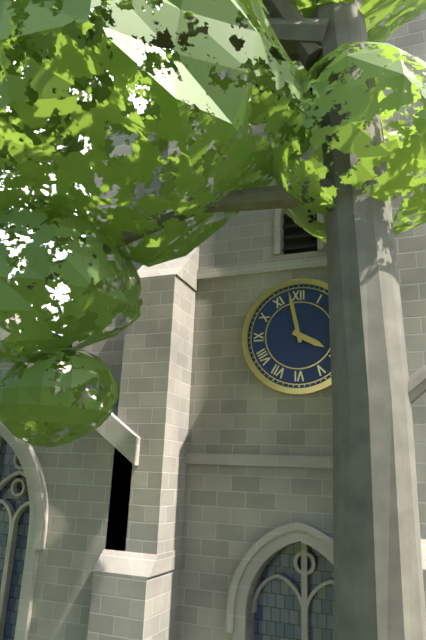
**3:58**
